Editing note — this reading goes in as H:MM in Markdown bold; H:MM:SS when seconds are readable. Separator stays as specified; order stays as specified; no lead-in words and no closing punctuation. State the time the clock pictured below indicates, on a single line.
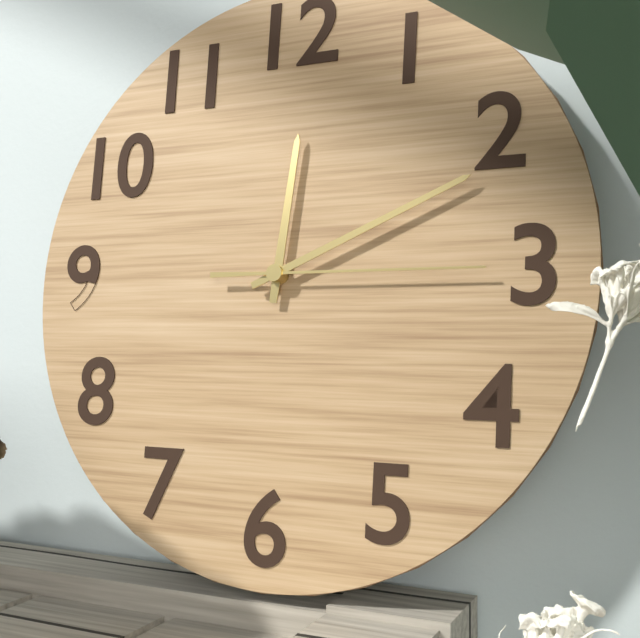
**12:11:15**
